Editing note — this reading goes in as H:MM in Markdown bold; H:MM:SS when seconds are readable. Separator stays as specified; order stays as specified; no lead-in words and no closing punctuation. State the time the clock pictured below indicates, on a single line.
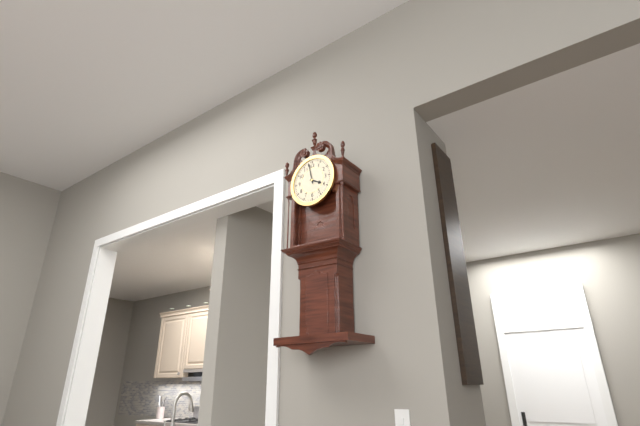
**3:58**
